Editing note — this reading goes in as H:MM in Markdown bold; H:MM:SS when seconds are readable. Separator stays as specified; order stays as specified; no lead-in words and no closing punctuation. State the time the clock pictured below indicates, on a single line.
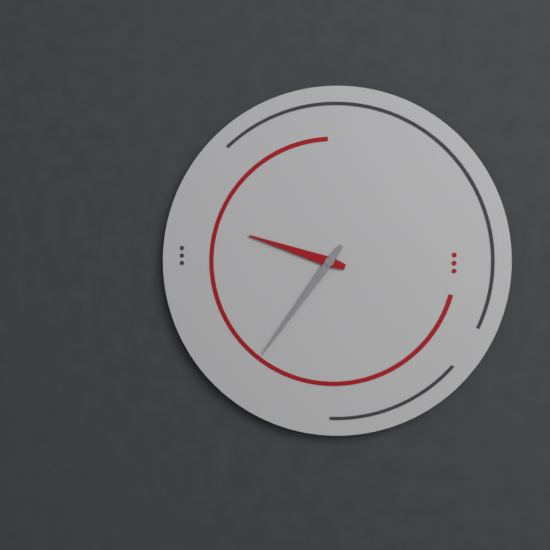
**9:36**
